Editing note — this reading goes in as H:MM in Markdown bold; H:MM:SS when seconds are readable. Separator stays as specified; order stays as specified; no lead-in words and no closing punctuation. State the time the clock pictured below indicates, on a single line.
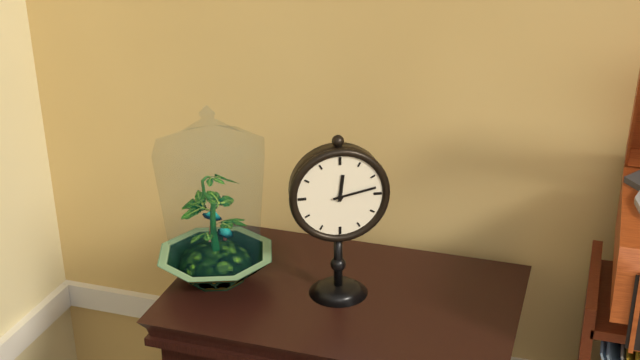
**12:13**
